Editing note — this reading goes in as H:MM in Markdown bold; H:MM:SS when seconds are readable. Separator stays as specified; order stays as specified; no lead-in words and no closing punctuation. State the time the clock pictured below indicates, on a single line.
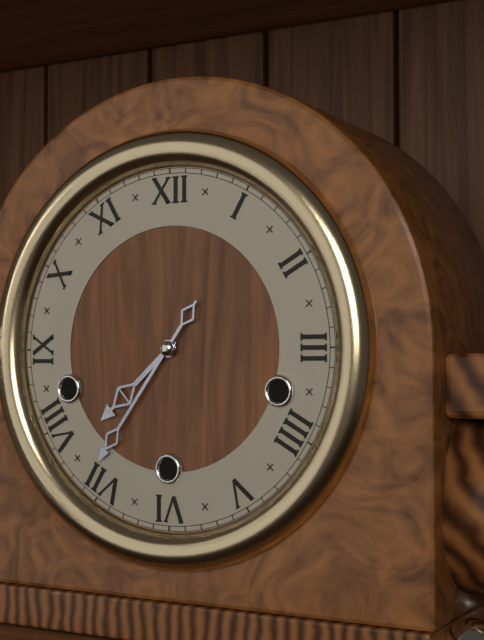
**7:36**
